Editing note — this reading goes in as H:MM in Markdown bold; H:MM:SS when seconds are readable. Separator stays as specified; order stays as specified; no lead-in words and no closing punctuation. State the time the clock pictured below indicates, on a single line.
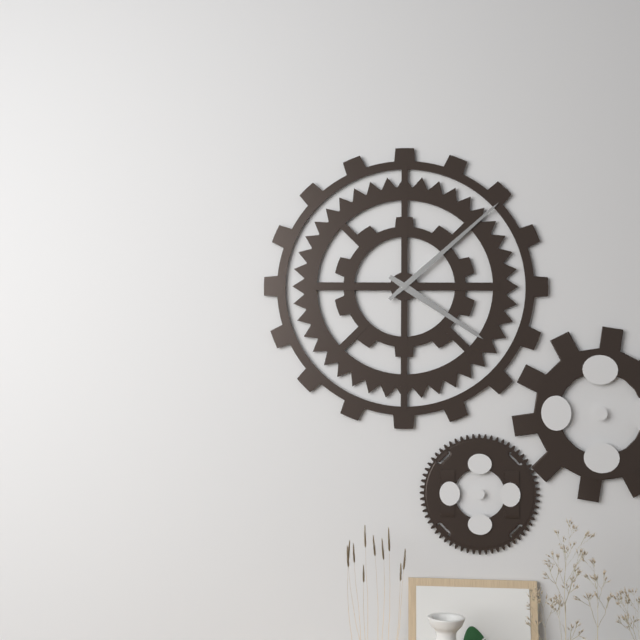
**4:08**
